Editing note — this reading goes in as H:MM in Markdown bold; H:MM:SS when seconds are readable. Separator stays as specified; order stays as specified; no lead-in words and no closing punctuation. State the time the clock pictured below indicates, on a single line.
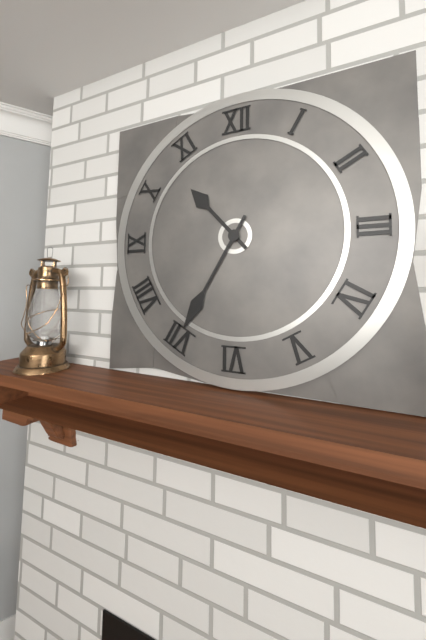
**10:35**
